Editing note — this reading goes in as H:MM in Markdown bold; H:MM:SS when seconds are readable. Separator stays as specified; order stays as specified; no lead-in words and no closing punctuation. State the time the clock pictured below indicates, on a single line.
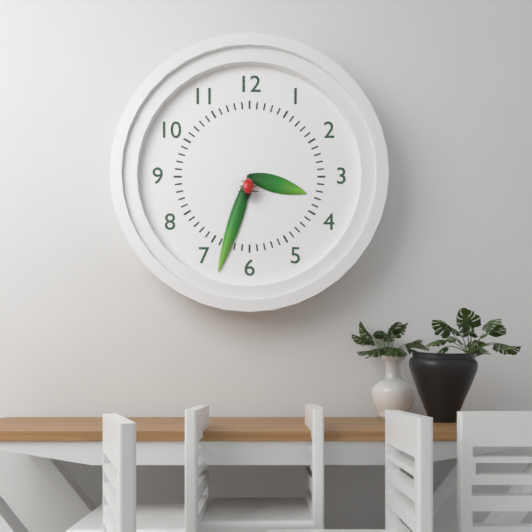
**3:33**
